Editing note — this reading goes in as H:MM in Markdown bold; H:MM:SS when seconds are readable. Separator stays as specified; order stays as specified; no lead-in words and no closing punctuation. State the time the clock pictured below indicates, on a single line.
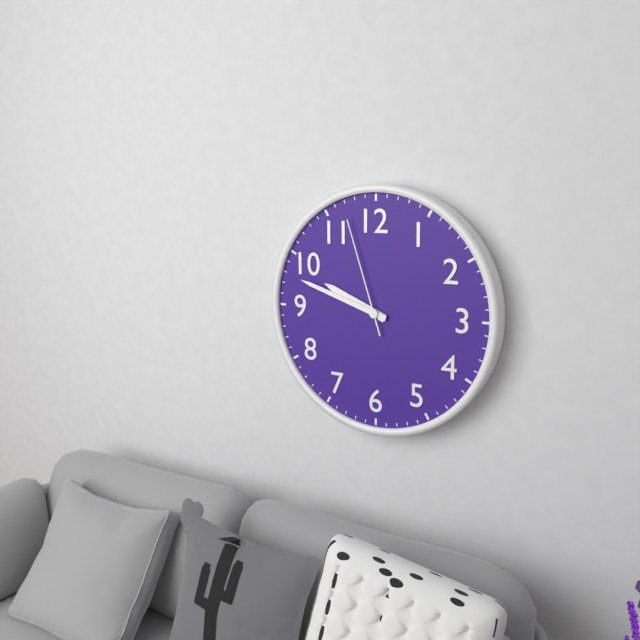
**9:48:57**
